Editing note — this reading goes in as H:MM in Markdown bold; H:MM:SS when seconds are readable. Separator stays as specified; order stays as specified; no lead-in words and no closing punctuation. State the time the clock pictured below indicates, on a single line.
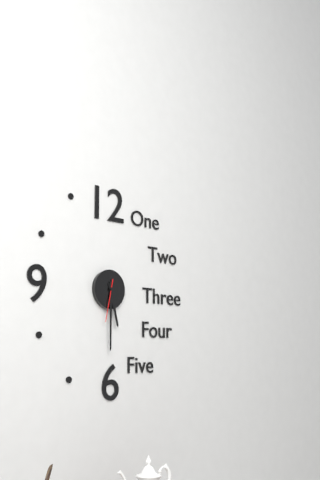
**5:30**
